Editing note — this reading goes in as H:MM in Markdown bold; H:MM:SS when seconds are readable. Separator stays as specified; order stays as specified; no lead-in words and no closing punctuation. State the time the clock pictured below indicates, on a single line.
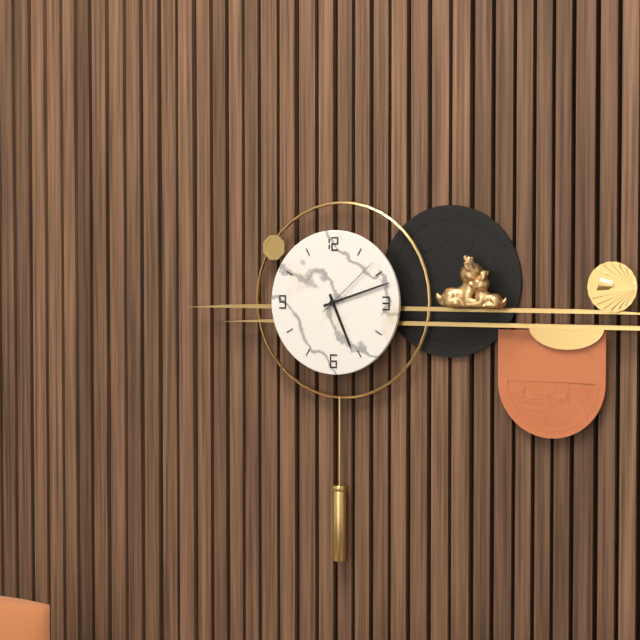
**5:12:08**
